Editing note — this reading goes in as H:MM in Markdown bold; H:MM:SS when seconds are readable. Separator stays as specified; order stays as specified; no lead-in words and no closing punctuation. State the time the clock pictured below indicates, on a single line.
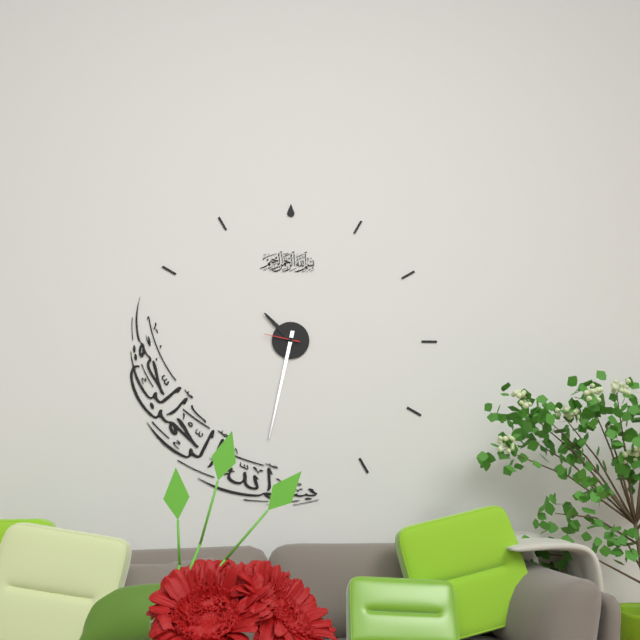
**10:32**
